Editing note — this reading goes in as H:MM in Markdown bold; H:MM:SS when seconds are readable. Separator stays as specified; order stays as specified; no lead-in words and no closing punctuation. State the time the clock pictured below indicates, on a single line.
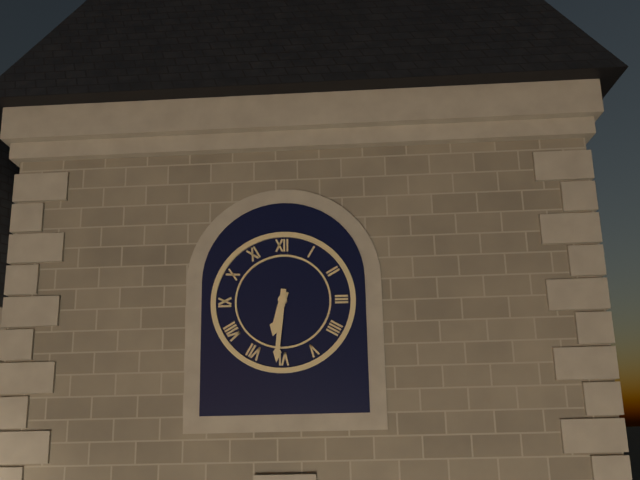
**6:31**
